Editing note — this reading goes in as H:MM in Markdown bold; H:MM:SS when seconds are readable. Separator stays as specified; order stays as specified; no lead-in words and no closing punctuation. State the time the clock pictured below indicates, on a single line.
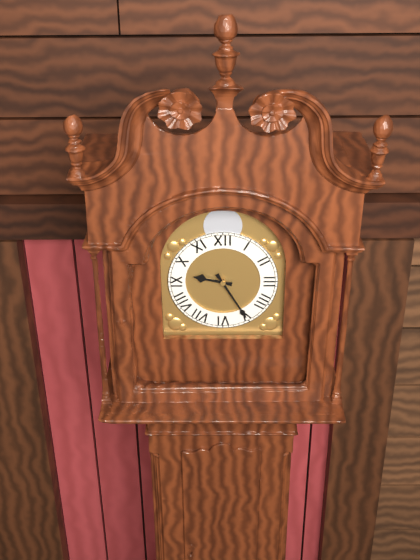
**9:25**
